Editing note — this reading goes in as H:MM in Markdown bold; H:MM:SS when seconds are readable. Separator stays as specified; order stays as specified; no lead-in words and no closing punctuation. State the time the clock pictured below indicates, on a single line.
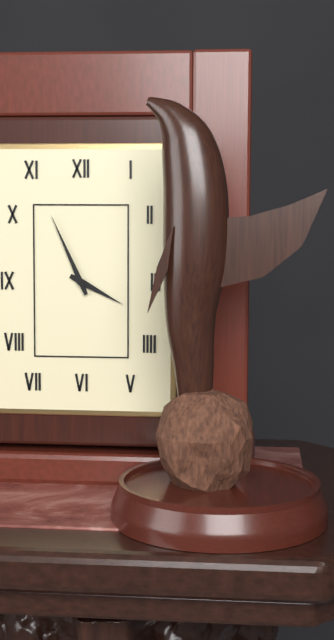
**3:56**
